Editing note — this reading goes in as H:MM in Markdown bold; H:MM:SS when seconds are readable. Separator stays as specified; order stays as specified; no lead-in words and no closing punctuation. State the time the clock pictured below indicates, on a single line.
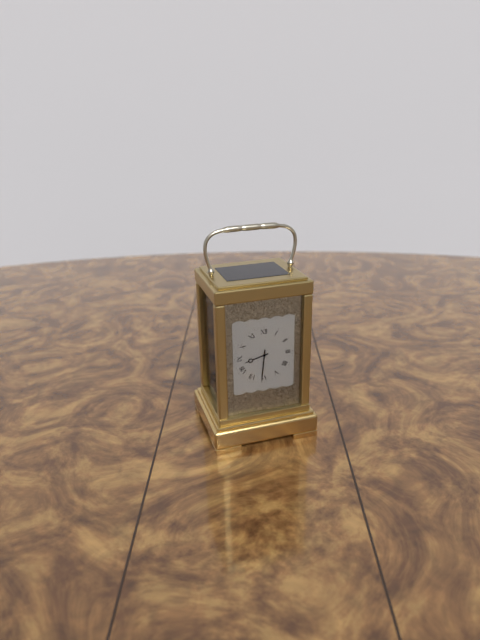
**8:31**
